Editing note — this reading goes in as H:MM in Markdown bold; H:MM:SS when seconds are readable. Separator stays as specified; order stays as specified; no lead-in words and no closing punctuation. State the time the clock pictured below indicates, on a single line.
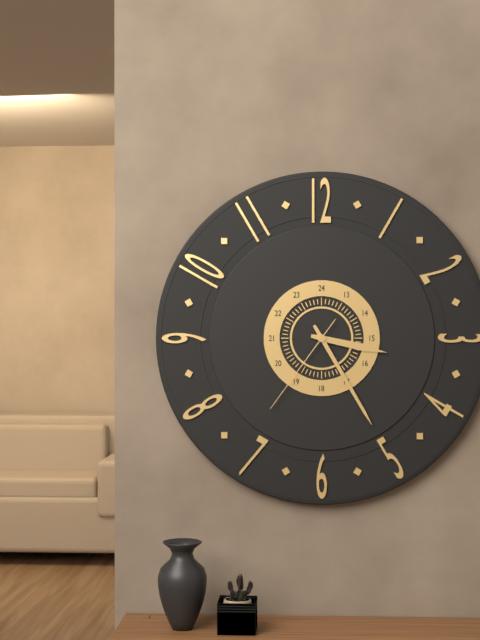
**3:25:36**
